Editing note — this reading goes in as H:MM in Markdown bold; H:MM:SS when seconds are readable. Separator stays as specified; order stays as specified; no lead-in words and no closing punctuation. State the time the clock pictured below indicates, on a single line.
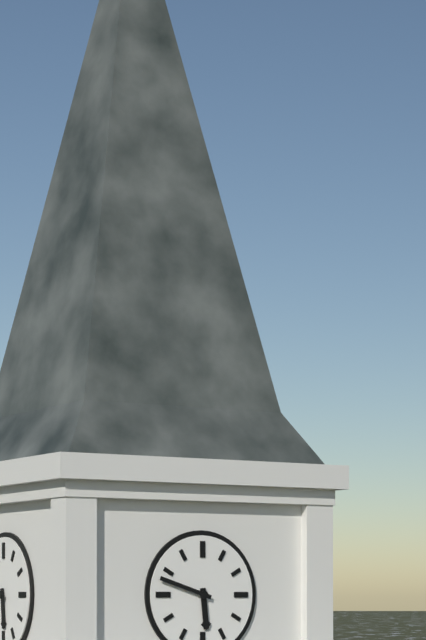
**5:48**
